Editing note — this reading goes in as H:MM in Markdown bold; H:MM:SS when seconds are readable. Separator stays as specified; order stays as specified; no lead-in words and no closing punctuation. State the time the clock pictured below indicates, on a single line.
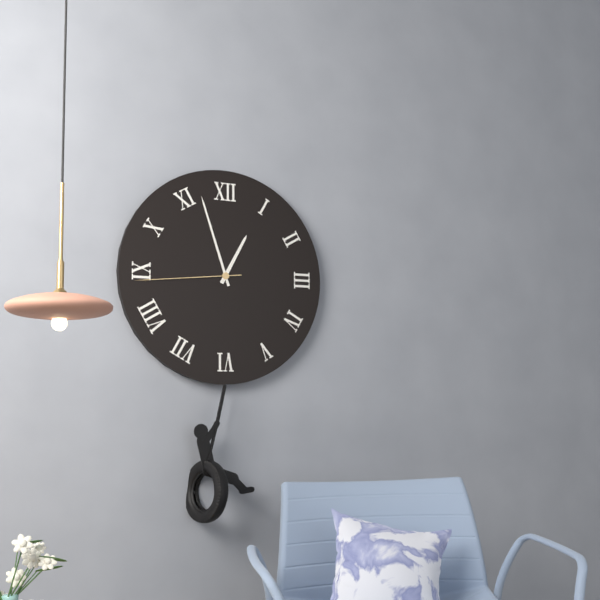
**12:57:44**
